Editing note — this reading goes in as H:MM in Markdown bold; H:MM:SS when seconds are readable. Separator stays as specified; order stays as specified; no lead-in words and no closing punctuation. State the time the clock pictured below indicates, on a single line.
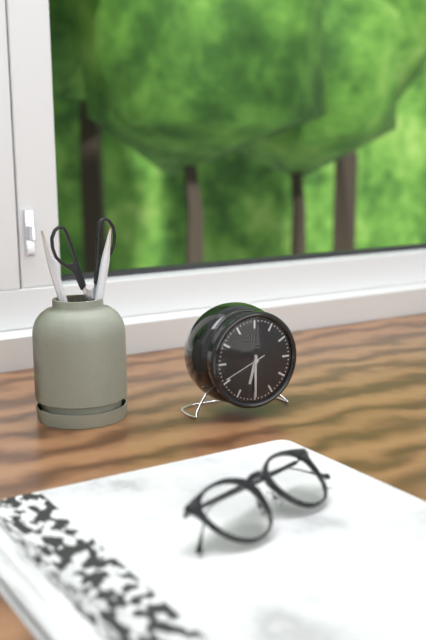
**6:30**
